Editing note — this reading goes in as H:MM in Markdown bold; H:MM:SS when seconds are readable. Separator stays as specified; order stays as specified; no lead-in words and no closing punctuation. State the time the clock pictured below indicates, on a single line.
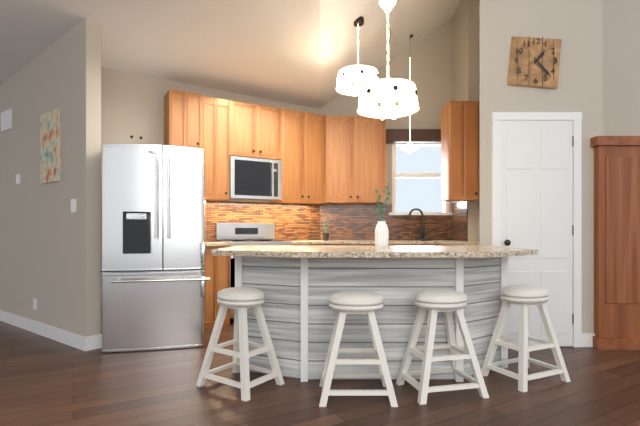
**1:23**
